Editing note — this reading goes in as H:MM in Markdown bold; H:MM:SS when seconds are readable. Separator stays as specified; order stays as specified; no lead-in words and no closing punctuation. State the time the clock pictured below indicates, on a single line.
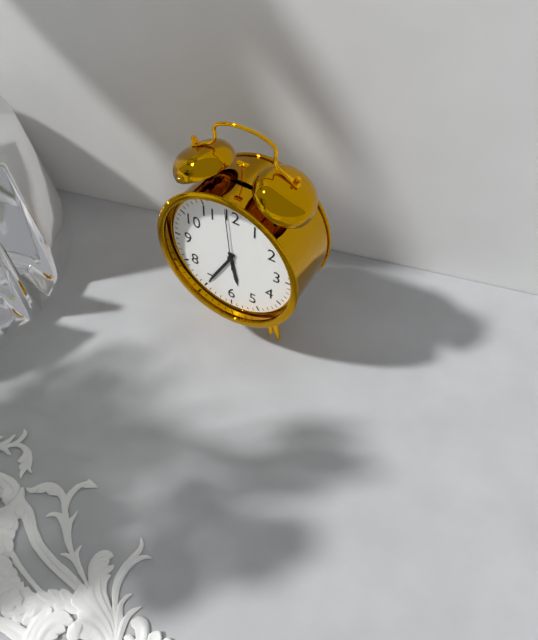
**5:35:59**
